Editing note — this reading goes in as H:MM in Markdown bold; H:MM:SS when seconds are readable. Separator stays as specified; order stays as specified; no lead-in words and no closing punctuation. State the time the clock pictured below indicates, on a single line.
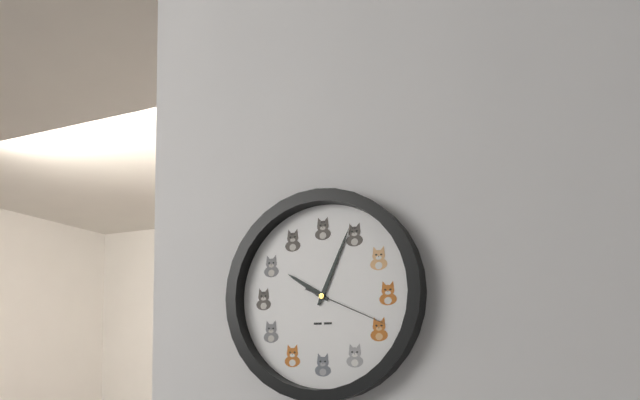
**10:04:19**
